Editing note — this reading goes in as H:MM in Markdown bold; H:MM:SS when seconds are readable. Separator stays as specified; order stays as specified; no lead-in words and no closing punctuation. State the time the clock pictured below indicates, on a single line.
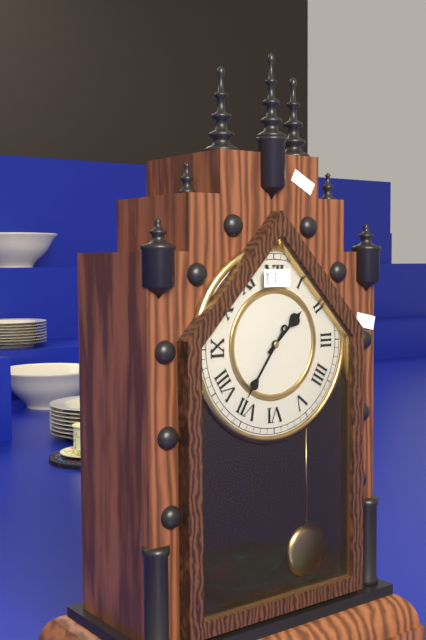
**1:36**
